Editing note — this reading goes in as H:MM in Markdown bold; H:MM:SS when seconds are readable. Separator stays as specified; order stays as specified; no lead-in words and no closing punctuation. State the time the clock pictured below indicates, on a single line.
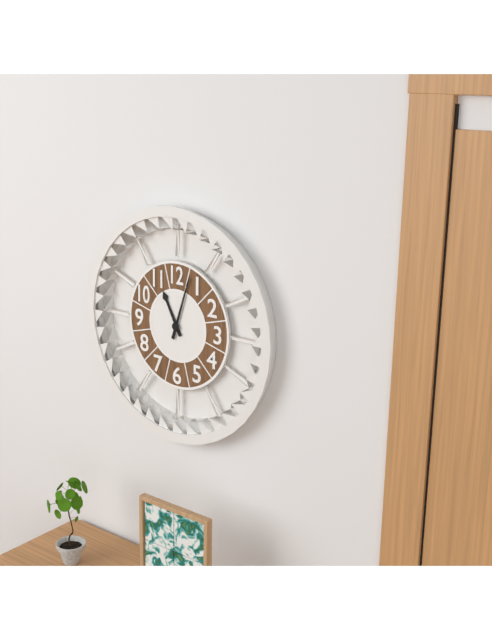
**11:03**
